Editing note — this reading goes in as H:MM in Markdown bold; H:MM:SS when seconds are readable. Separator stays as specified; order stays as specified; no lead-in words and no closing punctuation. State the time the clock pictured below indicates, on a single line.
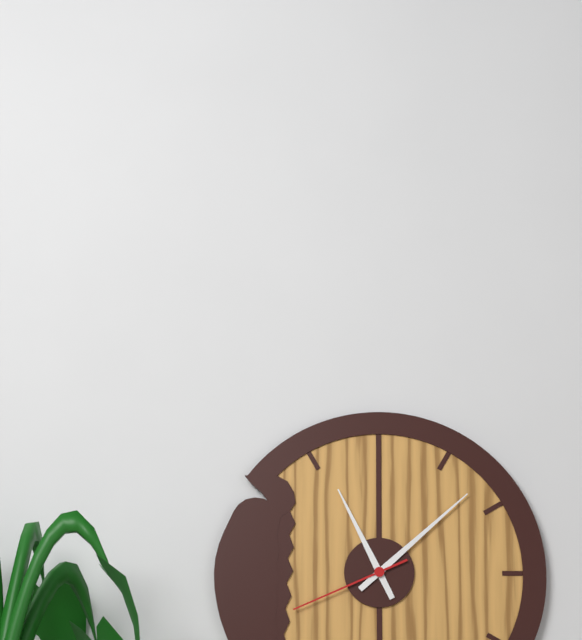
**11:08:41**
